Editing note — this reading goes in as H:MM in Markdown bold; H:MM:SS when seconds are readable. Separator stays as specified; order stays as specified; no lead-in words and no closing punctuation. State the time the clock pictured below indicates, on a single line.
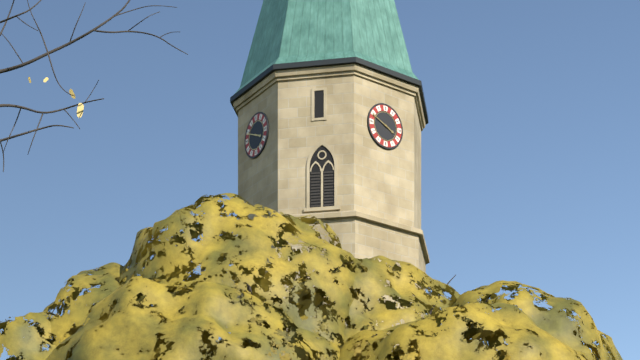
**3:49**
